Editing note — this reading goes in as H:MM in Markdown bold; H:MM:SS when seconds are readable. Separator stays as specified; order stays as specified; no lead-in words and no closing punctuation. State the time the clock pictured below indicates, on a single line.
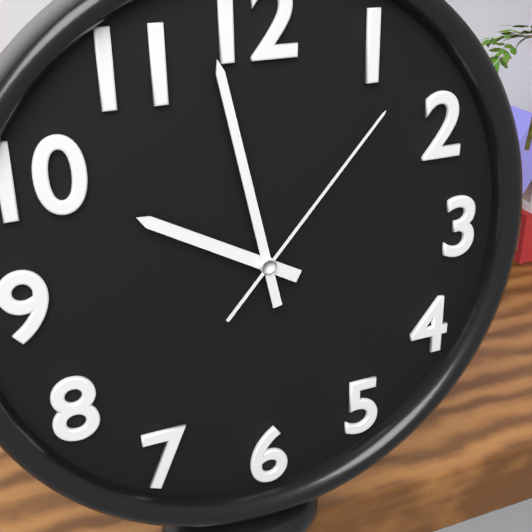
**9:58:07**
